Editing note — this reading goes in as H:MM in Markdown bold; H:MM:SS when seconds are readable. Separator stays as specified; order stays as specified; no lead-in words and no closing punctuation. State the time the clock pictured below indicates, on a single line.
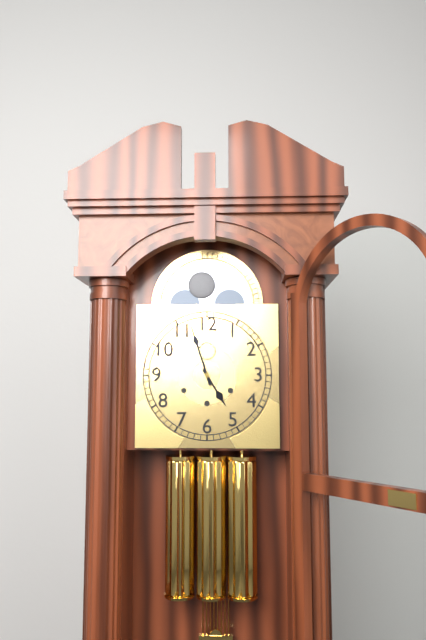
**4:57**
